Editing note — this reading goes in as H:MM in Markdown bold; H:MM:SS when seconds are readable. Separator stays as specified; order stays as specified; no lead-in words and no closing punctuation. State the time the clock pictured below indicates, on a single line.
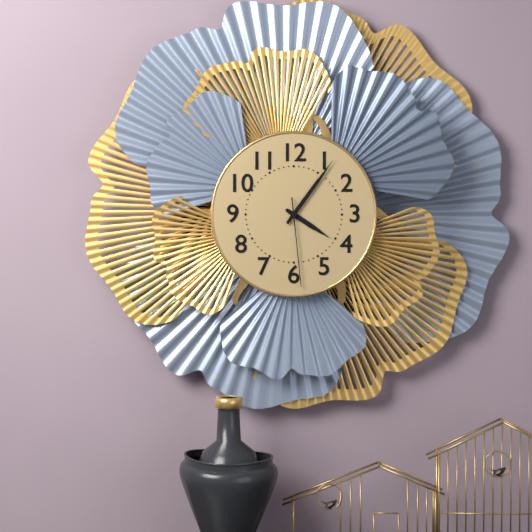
**4:06:29**
